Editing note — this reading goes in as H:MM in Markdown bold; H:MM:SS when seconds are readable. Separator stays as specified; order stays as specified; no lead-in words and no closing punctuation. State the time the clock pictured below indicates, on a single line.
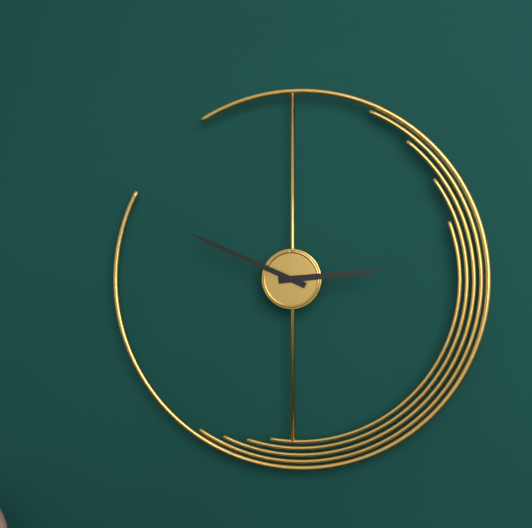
**2:49**
